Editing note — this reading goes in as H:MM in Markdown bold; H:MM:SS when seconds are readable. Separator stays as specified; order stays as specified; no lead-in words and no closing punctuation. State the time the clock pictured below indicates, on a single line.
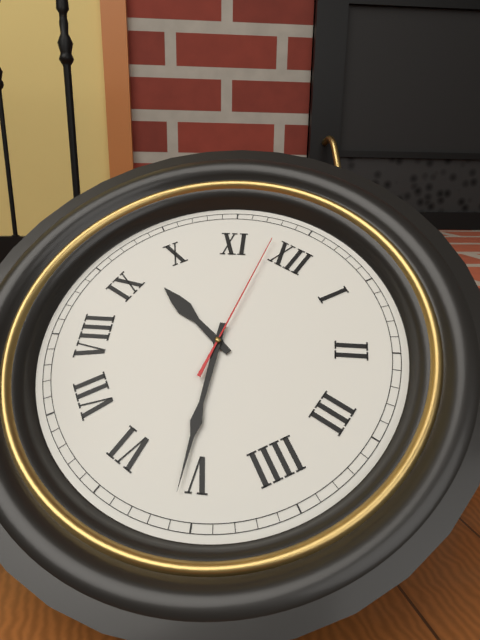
**9:26:58**
